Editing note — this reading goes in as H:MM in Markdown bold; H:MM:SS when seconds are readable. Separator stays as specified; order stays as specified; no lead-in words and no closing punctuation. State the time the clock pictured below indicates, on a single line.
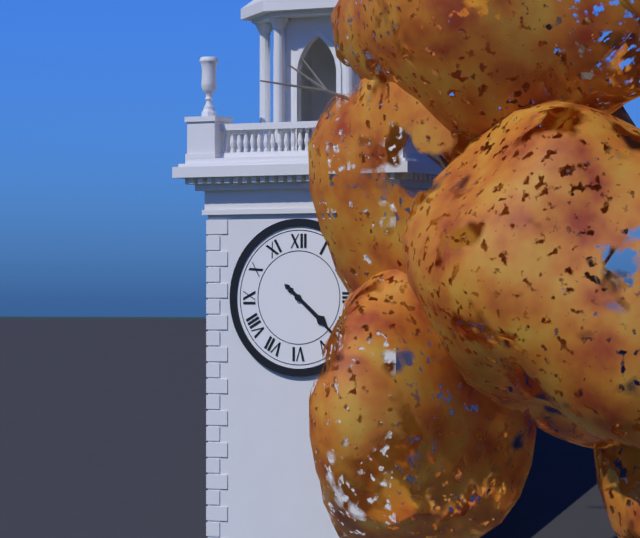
**4:22**
